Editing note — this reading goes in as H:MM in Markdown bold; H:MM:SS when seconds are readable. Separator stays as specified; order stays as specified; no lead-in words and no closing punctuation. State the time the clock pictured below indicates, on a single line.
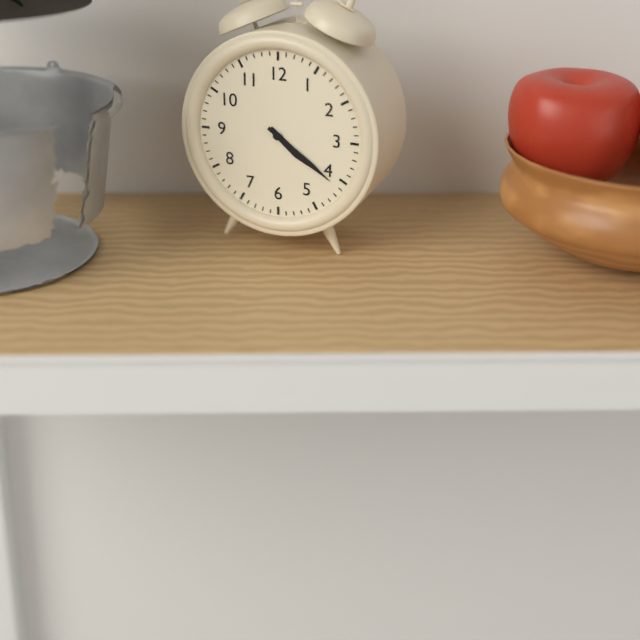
**4:21**
